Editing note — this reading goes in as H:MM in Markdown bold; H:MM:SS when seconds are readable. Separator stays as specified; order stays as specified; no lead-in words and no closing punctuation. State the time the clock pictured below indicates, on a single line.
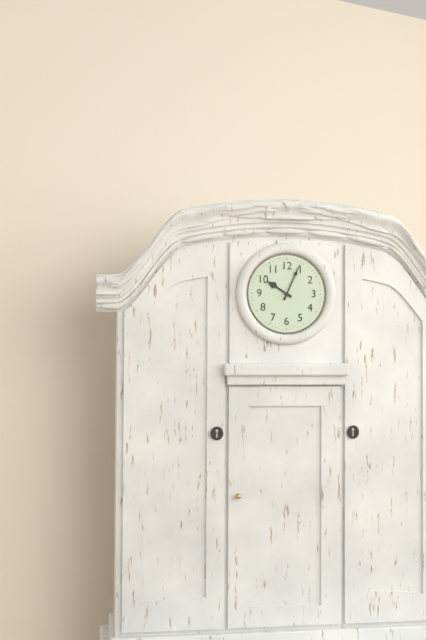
**10:04**
